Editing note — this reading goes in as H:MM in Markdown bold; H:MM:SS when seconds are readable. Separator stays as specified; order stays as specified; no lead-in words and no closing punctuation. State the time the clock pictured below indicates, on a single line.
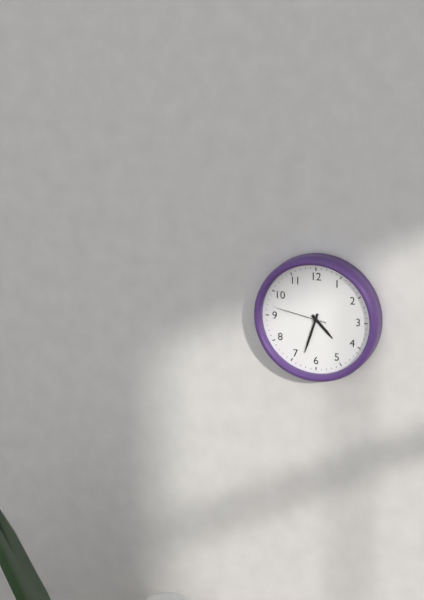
**4:33:47**
